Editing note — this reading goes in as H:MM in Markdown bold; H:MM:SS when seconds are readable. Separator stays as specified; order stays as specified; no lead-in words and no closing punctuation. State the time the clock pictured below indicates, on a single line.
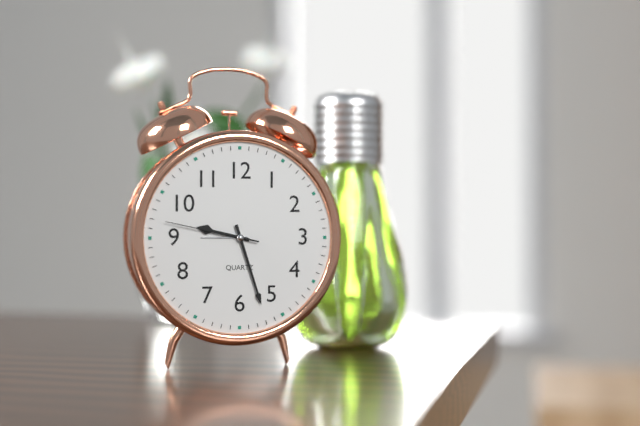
**9:27:47**
